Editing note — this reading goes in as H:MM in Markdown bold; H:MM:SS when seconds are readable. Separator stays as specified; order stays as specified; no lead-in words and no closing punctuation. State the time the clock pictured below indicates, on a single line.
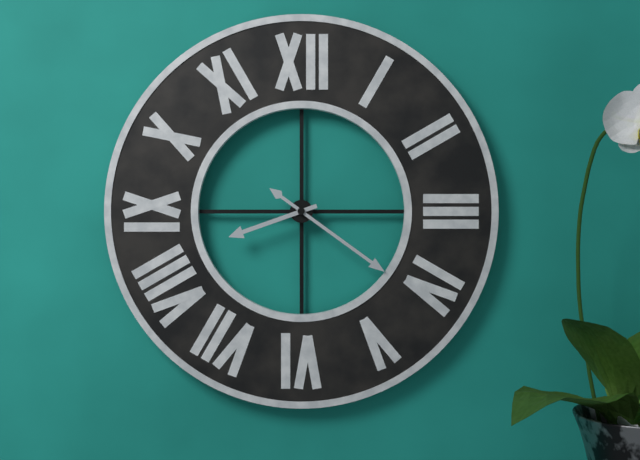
**8:21**
